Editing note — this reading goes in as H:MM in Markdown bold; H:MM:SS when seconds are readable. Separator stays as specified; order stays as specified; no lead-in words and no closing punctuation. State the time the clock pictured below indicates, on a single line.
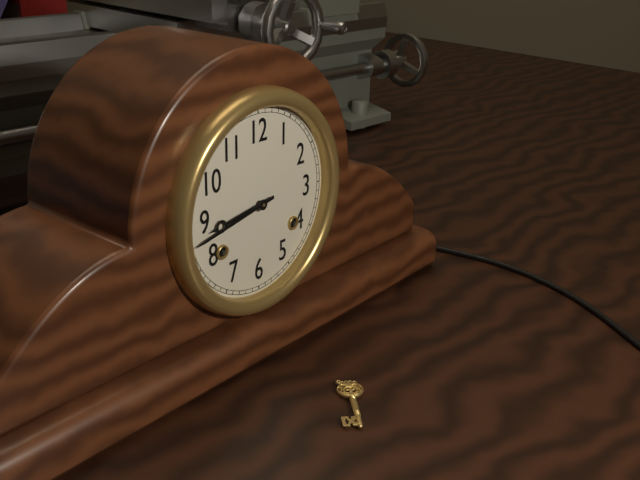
**8:43**
